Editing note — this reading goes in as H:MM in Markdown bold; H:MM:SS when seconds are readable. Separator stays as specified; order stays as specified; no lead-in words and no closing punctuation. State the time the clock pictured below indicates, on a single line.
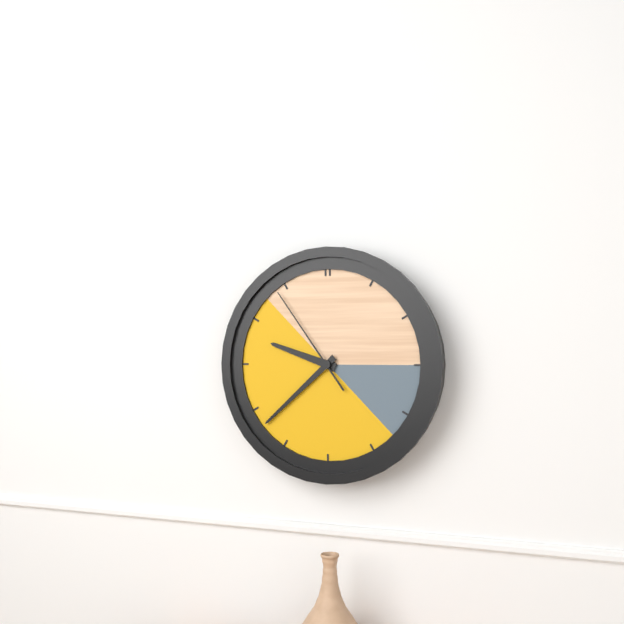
**9:38:54**
